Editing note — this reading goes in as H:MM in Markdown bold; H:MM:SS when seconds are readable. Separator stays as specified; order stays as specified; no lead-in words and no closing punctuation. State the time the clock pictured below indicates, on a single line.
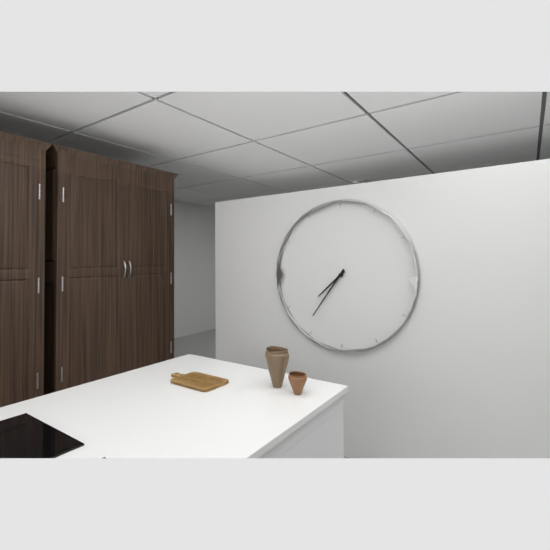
**7:36**
